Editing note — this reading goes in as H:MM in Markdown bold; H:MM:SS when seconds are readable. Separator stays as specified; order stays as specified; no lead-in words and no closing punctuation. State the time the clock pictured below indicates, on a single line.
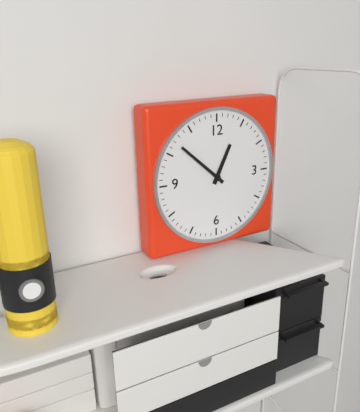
**12:52**
